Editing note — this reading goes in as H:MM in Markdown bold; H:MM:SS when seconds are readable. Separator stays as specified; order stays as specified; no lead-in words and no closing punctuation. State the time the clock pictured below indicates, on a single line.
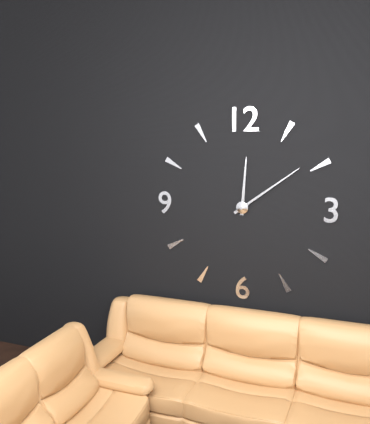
**12:09**
